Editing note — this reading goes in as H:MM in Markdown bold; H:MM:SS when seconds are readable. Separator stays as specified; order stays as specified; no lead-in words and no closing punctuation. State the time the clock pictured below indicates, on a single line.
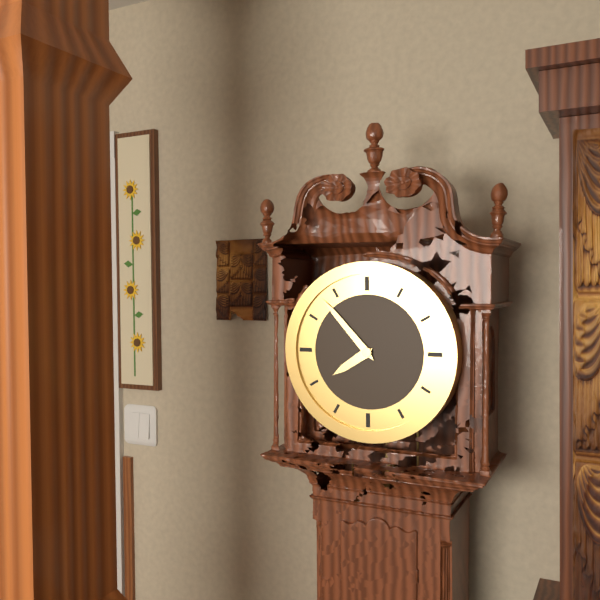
**7:53**
